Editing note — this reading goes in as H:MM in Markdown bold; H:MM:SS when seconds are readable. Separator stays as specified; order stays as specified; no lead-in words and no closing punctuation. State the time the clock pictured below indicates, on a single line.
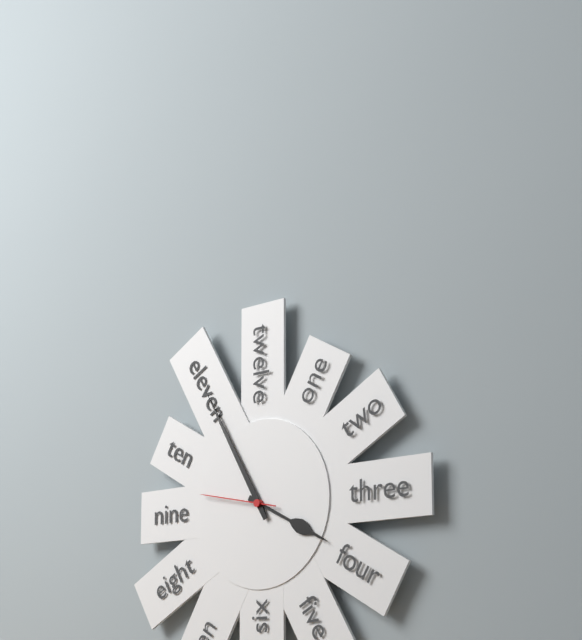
**3:55:47**
